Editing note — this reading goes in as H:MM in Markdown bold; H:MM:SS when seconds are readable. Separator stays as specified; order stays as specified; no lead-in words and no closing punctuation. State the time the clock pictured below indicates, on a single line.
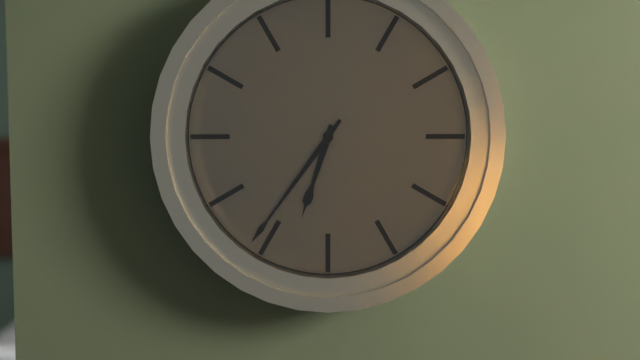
**6:36**
